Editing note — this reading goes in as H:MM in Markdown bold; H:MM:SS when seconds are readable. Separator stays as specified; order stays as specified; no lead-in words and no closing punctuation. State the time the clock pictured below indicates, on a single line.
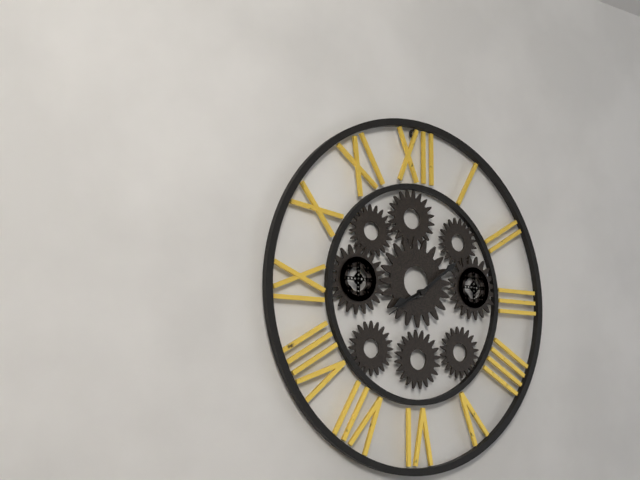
**8:09**
